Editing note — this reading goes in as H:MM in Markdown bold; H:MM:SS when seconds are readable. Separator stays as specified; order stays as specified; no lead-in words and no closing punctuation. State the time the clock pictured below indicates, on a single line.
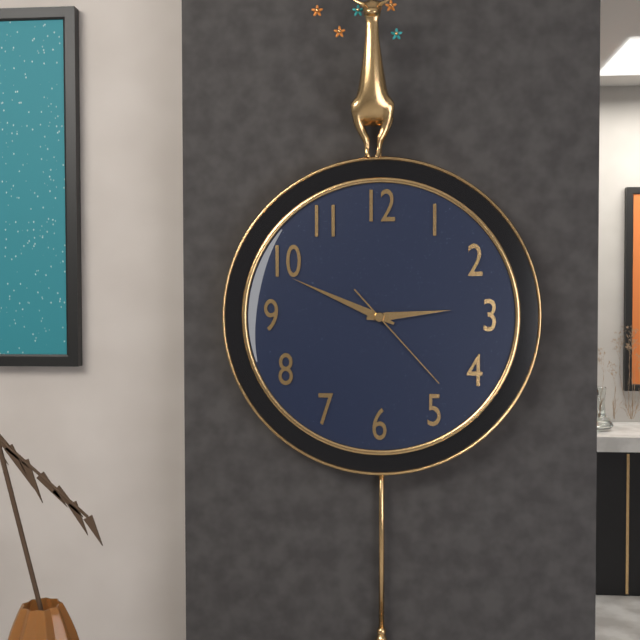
**2:49:23**
